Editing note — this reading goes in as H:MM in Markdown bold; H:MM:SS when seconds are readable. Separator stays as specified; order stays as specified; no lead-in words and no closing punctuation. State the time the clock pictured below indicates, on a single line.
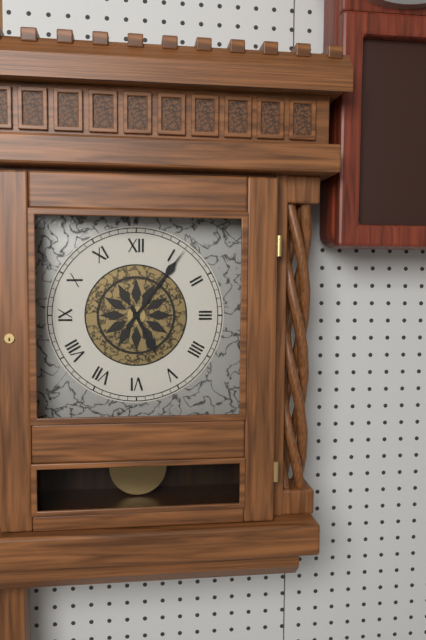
**5:06**
